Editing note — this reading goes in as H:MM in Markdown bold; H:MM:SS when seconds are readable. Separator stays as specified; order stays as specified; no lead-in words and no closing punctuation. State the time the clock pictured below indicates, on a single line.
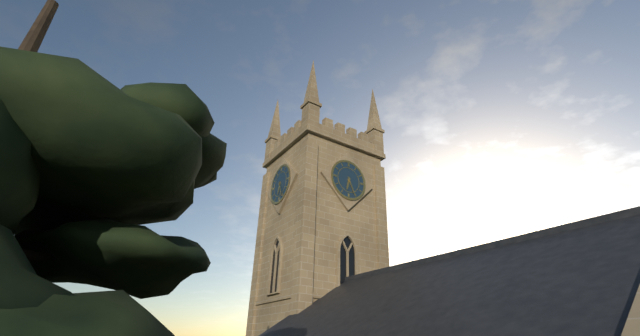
**6:26**
